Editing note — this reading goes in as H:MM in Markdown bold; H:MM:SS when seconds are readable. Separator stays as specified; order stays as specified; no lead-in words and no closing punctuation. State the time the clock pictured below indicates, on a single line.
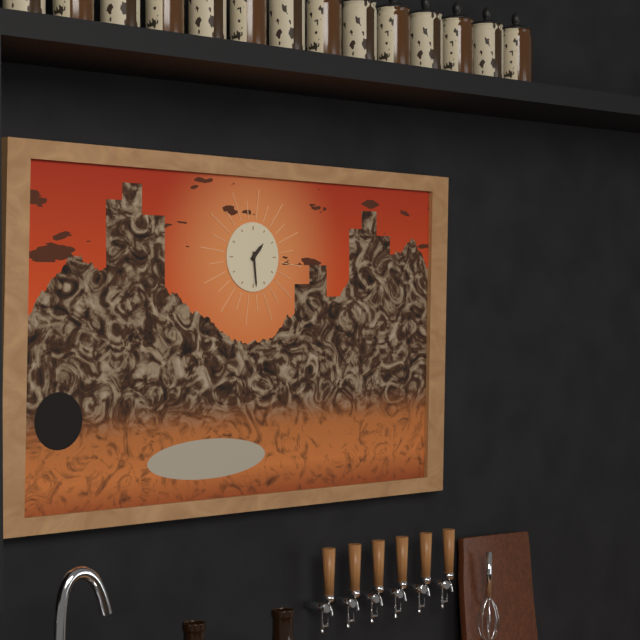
**1:29**
